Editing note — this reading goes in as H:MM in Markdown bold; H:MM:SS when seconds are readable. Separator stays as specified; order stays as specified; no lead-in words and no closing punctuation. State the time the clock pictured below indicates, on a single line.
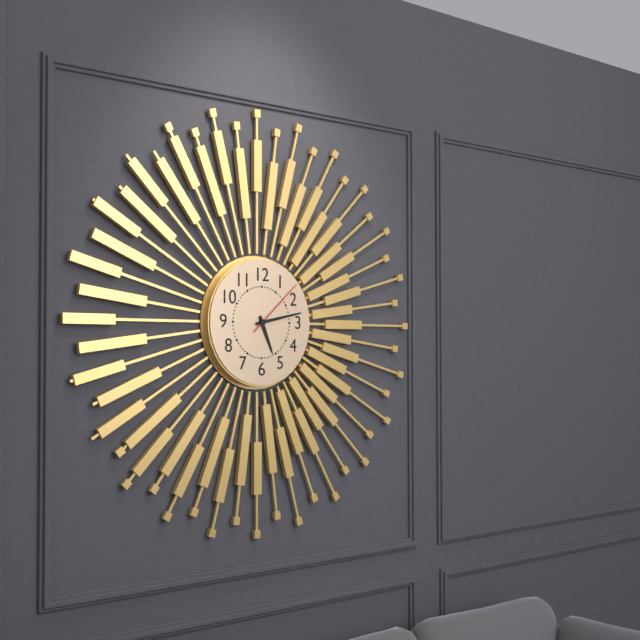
**5:13:08**
